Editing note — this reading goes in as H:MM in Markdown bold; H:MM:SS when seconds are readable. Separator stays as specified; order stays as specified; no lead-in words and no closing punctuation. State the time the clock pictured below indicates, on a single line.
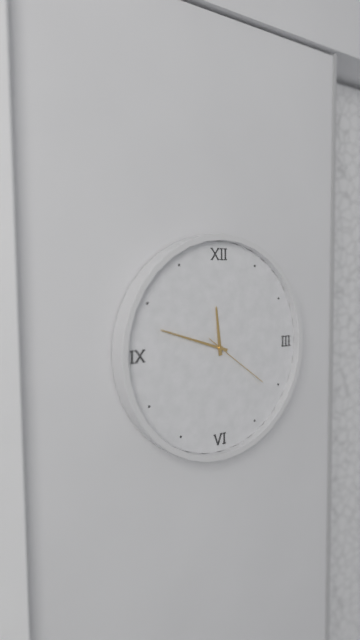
**11:48:21**
